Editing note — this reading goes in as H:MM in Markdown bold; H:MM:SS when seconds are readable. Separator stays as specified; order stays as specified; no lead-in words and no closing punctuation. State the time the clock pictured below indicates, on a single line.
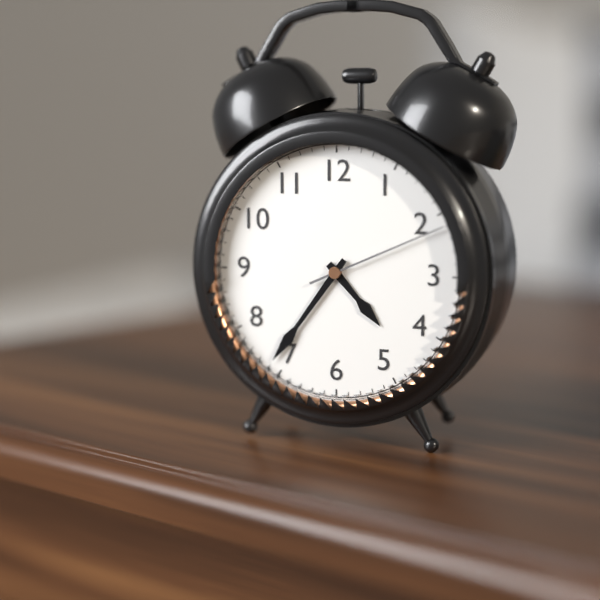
**4:36:11**
